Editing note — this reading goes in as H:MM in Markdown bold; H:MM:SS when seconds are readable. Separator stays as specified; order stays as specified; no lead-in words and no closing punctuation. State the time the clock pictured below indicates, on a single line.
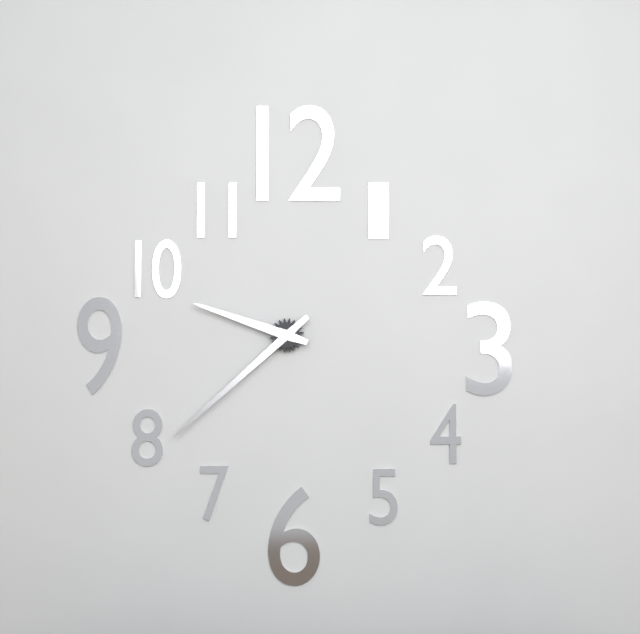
**9:38**
